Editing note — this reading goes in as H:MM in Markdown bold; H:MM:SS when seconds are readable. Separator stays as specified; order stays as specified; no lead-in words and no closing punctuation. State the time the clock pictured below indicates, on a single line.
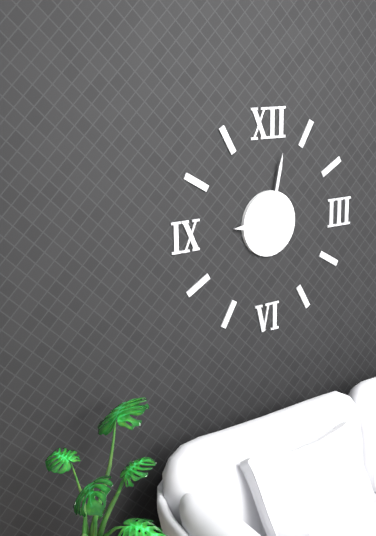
**9:02**
